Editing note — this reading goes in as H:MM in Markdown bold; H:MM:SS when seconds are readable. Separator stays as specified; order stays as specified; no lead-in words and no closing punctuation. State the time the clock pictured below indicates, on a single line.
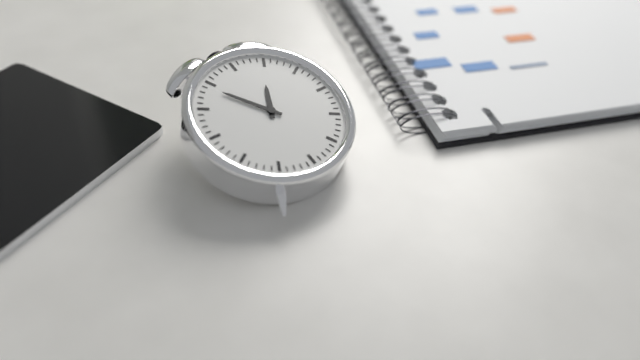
**12:54**
